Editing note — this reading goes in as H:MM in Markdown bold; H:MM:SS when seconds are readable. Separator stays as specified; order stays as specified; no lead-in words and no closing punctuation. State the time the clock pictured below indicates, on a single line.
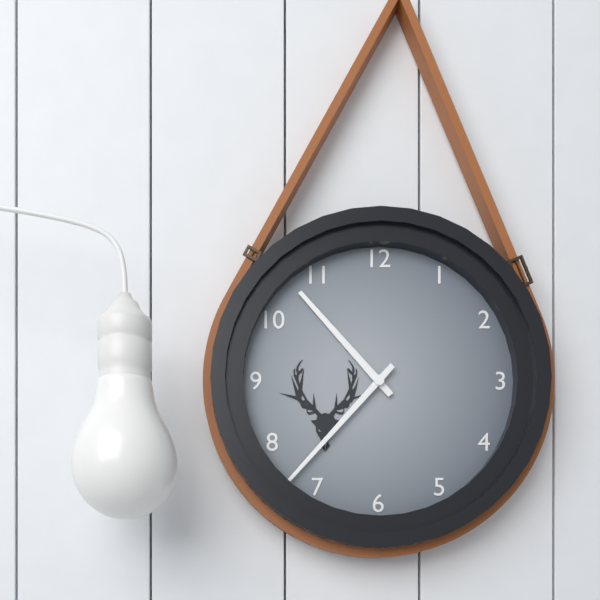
**10:37**
